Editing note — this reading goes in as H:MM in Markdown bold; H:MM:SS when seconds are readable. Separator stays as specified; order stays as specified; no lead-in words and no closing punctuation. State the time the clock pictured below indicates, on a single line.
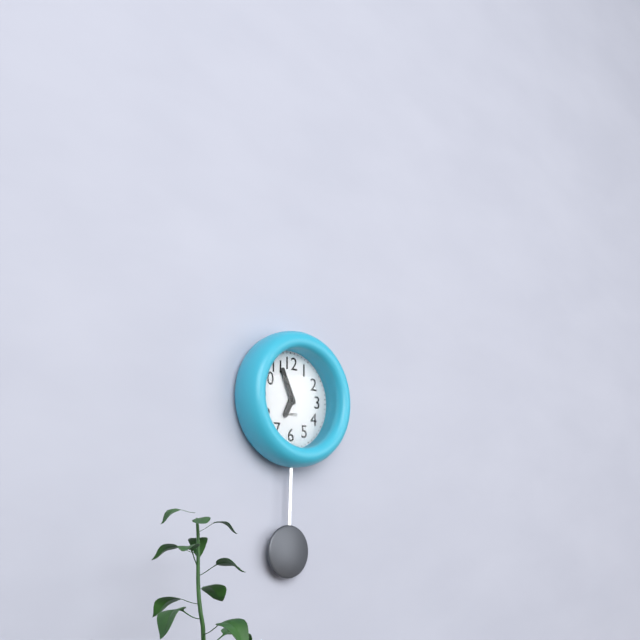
**6:56**
